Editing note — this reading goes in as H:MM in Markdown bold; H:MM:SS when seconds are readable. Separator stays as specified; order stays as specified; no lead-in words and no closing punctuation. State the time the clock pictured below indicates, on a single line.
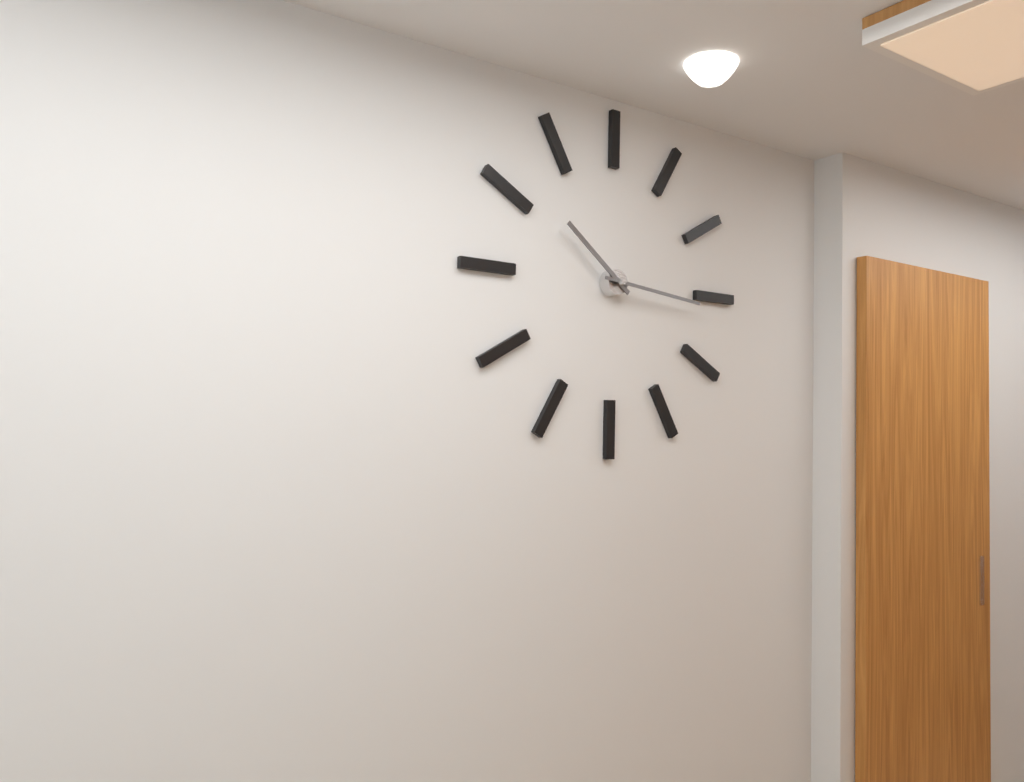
**10:16**
